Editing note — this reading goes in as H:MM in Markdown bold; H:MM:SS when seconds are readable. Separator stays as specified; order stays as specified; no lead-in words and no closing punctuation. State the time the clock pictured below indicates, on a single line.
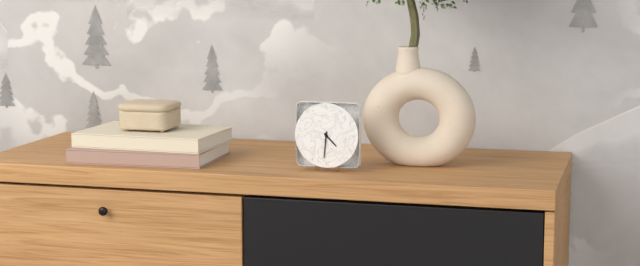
**4:31**
